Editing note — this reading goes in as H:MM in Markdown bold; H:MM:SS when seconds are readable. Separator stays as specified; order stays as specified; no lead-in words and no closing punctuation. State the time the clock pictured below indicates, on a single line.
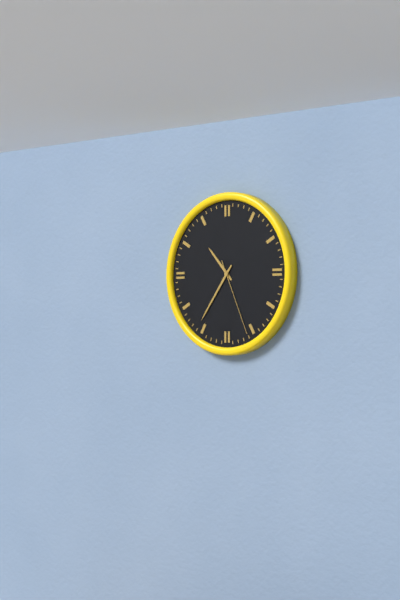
**10:36:26**
